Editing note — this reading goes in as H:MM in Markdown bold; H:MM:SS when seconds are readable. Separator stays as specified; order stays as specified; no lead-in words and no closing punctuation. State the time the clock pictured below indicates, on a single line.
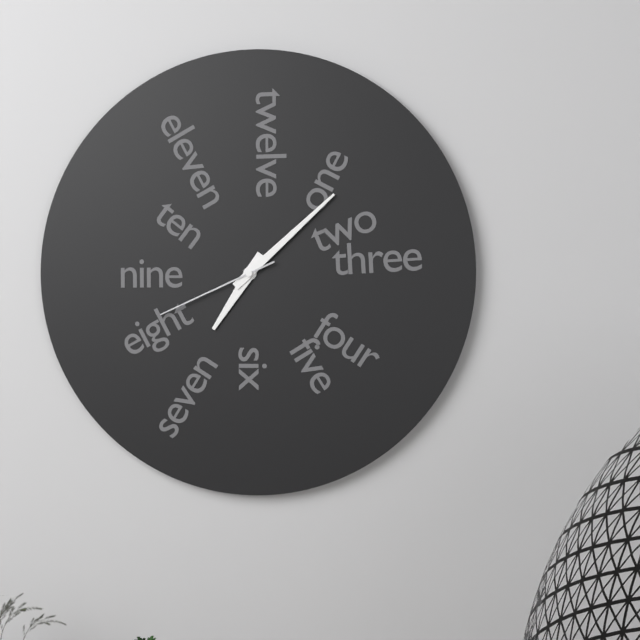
**7:08:41**
